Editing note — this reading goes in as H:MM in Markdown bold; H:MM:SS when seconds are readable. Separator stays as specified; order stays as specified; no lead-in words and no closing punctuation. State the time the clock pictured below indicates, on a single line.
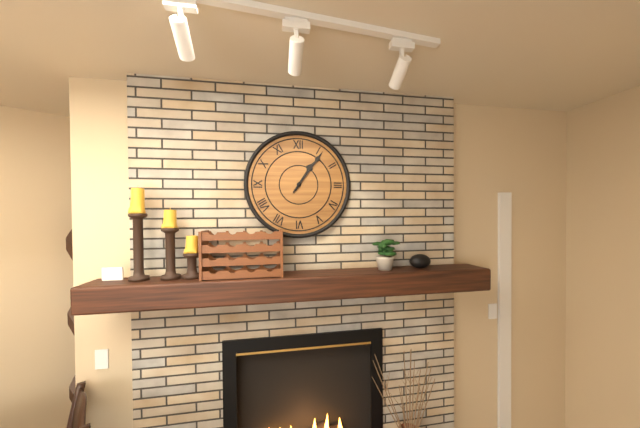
**1:06**
